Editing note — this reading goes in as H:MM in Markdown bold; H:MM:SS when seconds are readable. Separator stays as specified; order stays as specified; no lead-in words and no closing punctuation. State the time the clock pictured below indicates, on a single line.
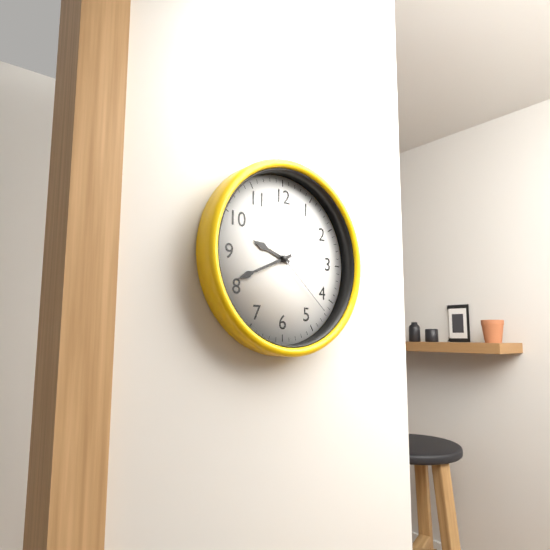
**9:41:22**
